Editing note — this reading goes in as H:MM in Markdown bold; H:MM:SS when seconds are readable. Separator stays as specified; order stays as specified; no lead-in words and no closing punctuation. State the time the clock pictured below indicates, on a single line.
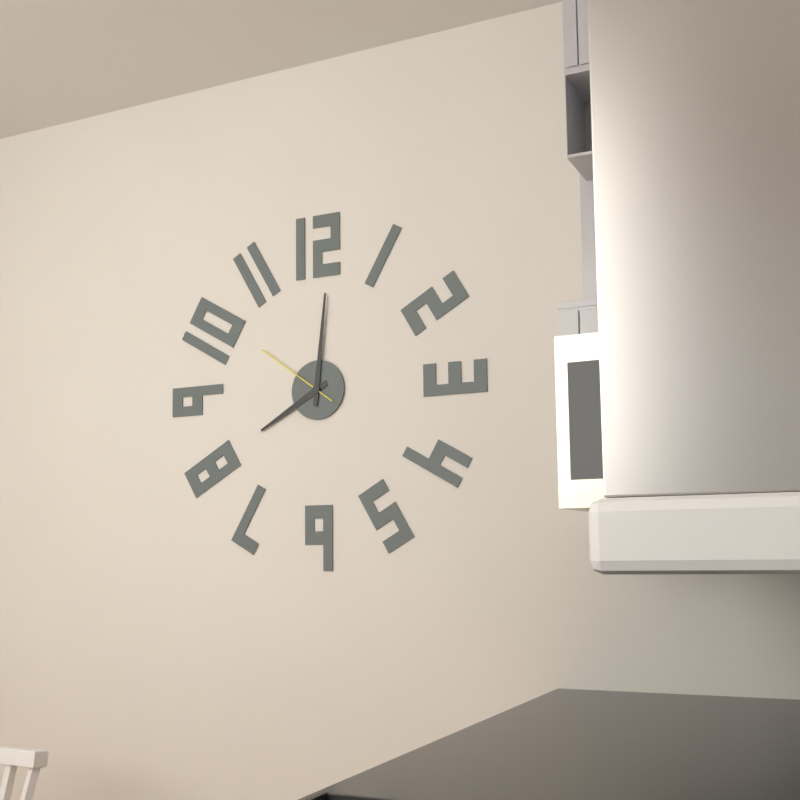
**8:01:51**
